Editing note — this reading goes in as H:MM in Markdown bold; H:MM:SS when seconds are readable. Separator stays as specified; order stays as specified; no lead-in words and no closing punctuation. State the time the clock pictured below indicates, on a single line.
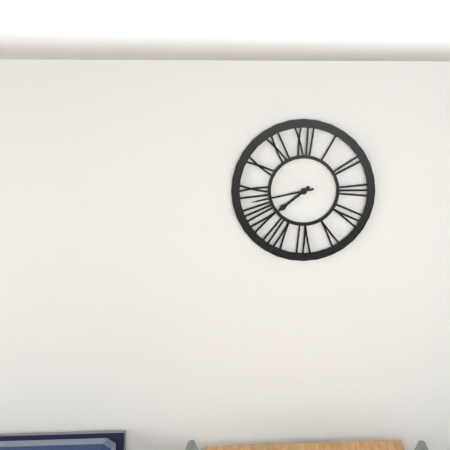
**7:43**
